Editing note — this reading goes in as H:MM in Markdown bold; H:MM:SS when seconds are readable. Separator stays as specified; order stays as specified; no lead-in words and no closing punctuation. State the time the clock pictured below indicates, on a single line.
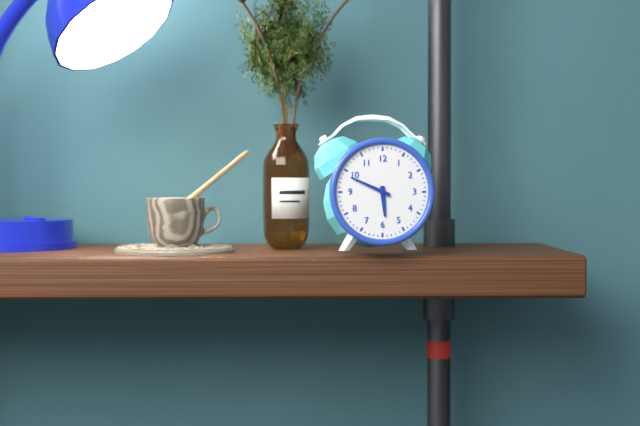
**5:49**
